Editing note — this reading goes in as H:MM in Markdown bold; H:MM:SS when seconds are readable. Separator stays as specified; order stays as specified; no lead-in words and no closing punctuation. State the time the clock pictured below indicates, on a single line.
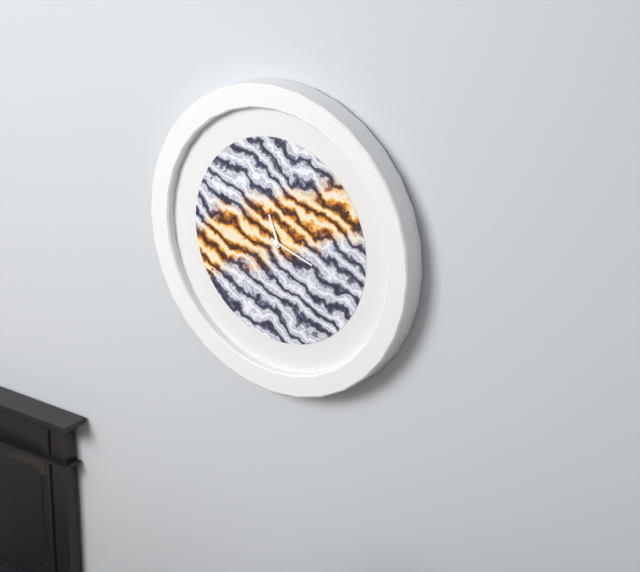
**11:18**
